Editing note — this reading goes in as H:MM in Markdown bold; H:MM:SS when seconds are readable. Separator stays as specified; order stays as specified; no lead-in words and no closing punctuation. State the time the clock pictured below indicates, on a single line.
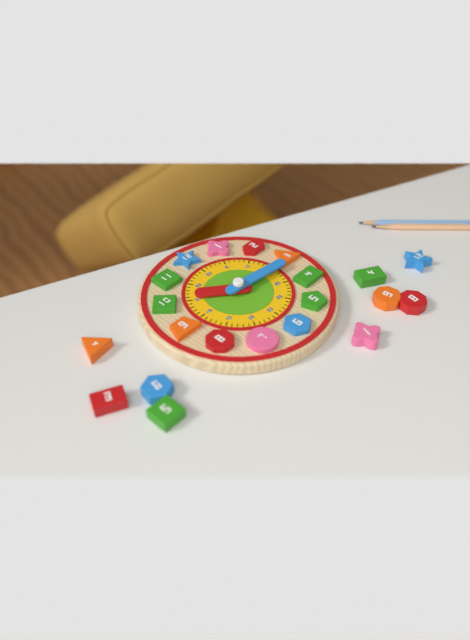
**10:16**
